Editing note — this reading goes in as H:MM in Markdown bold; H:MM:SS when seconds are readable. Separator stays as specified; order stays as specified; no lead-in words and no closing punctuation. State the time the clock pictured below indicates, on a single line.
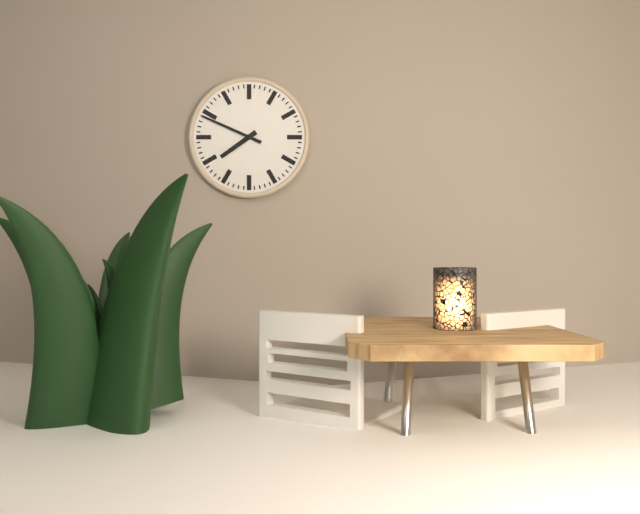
**7:49**
